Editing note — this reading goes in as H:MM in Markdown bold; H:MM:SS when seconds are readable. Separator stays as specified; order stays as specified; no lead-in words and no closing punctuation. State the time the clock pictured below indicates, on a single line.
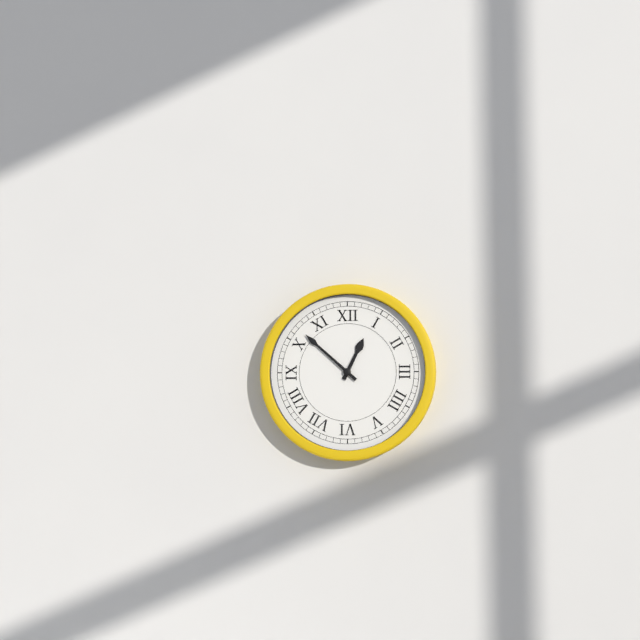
**12:52**
